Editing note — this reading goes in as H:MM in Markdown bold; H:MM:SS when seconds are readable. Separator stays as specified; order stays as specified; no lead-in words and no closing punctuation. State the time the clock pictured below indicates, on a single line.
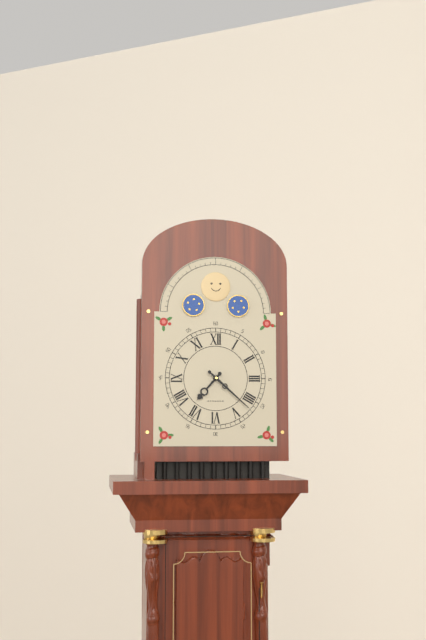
**7:22**
